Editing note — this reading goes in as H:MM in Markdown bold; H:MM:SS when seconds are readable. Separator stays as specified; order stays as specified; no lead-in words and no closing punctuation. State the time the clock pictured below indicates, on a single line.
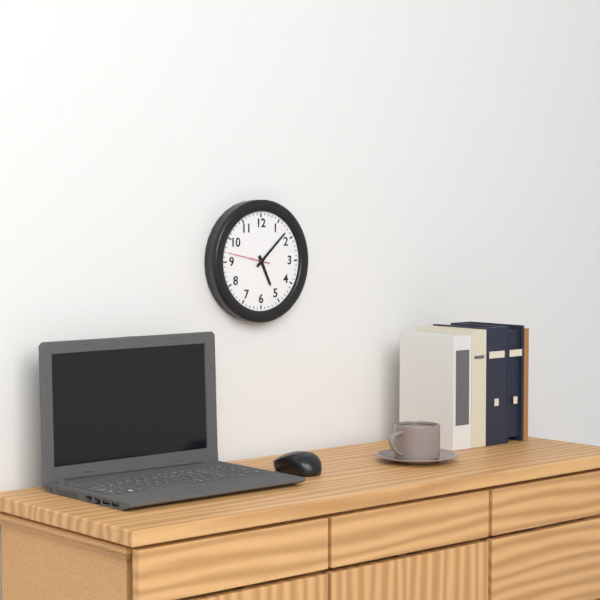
**5:08**
